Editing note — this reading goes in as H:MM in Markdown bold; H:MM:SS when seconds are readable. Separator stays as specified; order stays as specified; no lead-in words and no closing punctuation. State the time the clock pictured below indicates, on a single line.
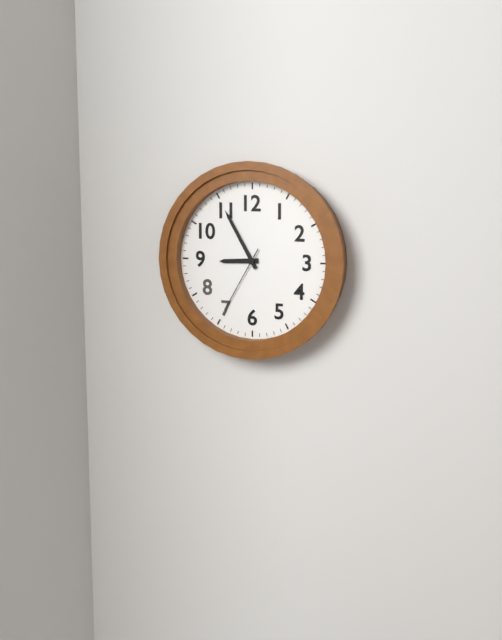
**8:55:35**
